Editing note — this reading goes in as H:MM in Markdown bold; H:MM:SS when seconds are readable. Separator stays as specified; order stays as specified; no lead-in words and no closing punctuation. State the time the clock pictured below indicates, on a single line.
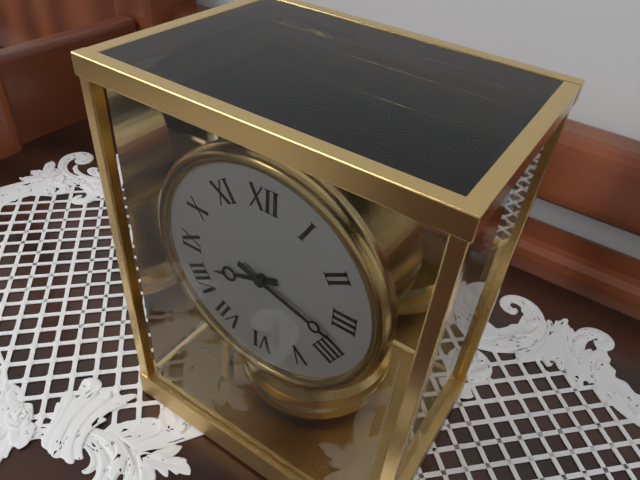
**8:18**
